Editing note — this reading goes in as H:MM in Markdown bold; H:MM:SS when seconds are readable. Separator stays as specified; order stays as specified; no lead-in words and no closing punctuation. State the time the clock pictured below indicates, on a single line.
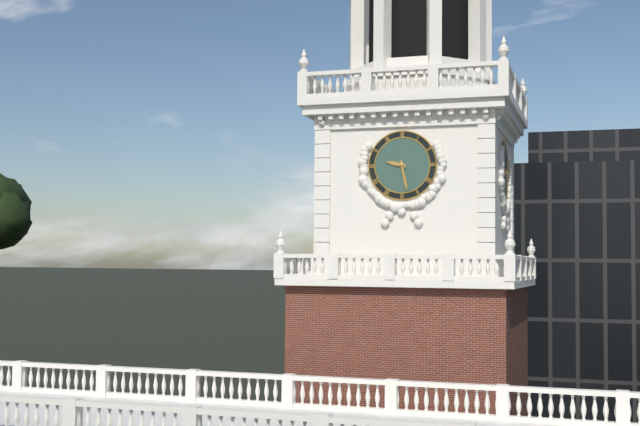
**9:28**
